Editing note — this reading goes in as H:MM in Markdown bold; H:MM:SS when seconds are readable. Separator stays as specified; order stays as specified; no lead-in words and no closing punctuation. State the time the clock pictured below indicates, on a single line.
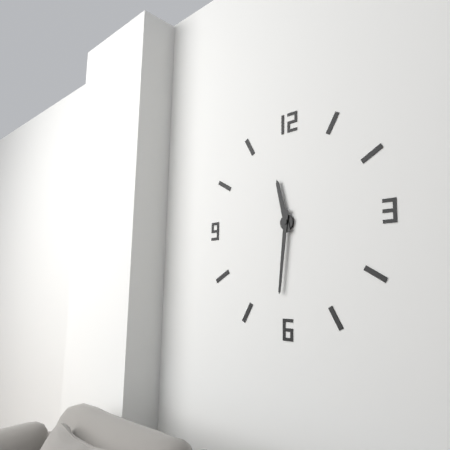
**11:31**
